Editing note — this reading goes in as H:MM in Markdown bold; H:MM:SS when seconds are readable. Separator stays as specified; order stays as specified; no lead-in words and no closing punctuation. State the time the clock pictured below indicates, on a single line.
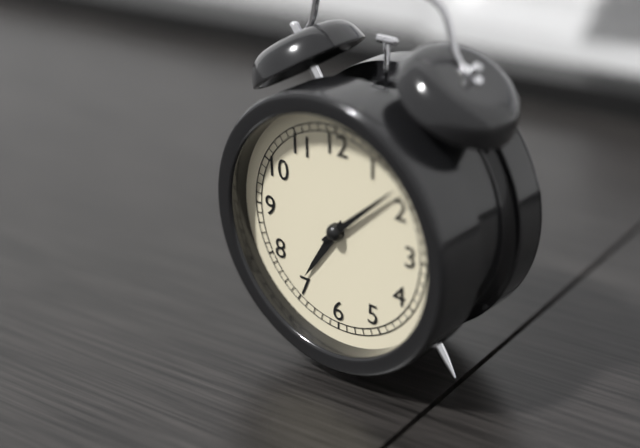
**7:08**
